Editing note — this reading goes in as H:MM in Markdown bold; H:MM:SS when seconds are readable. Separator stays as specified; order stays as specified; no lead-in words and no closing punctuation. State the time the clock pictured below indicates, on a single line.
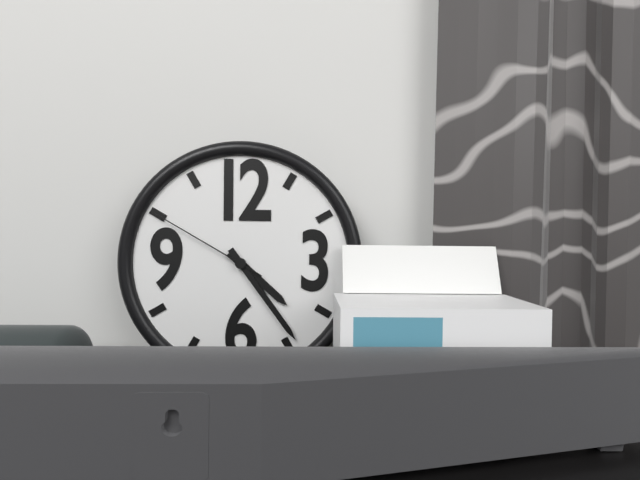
**4:24:50**
